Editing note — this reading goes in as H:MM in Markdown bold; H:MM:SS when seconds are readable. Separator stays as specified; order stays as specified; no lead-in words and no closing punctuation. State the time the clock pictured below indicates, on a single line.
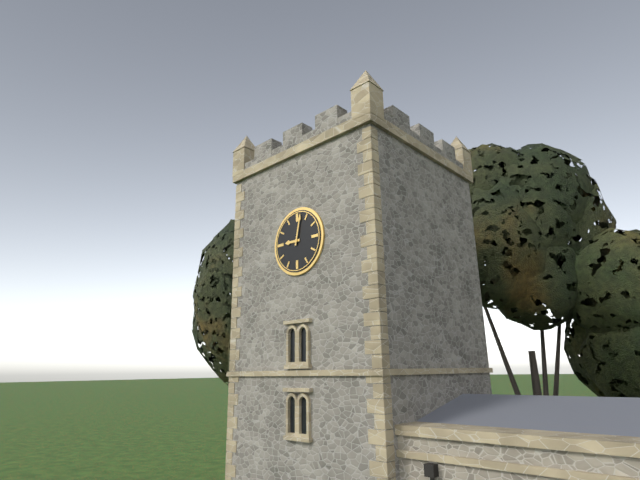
**9:02**
